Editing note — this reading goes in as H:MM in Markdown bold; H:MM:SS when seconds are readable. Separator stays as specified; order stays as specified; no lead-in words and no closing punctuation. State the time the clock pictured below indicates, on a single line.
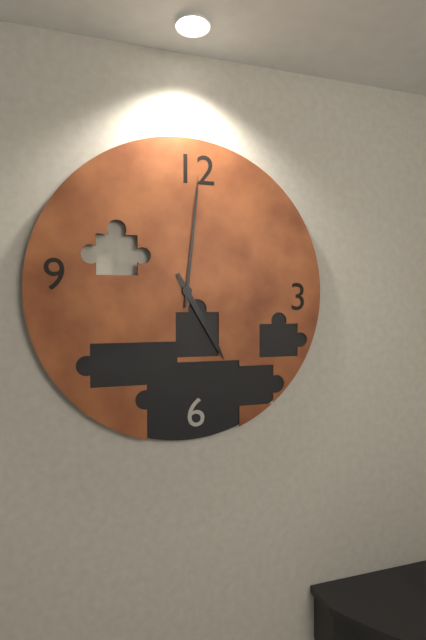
**5:01**
